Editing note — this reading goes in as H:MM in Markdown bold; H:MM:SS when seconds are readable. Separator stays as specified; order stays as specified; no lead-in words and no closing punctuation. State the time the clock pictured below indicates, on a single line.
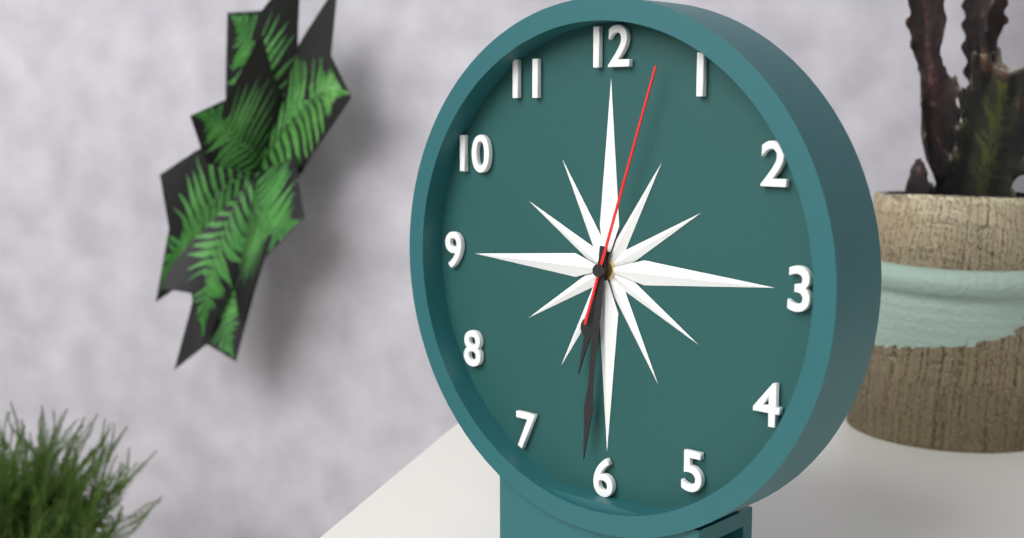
**6:31:03**
